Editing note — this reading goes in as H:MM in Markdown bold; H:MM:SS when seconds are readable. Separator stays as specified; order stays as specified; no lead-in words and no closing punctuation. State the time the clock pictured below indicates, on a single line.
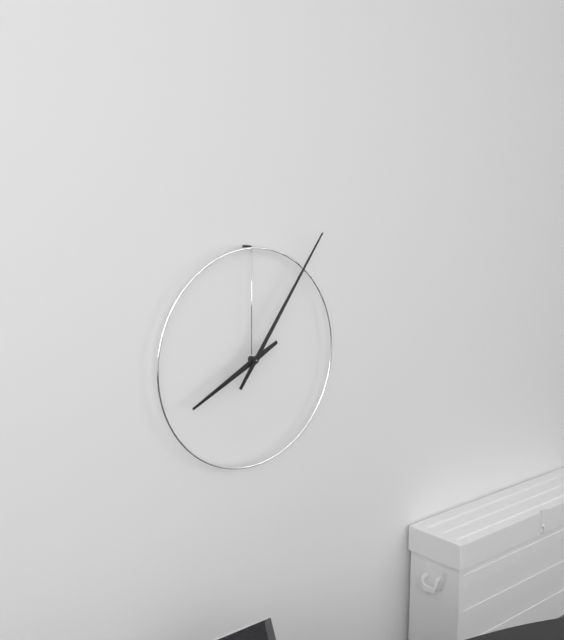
**8:06**
